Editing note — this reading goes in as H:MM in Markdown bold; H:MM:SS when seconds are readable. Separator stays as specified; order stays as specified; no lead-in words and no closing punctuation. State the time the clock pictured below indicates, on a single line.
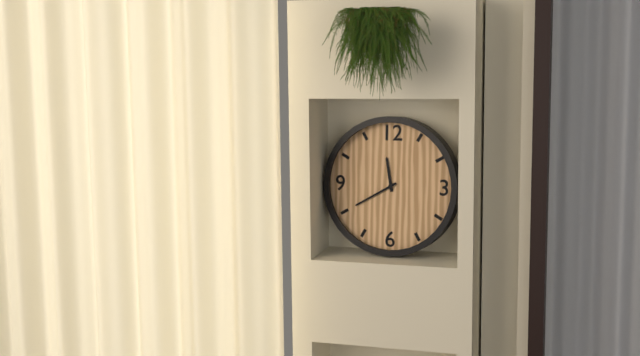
**11:40**
